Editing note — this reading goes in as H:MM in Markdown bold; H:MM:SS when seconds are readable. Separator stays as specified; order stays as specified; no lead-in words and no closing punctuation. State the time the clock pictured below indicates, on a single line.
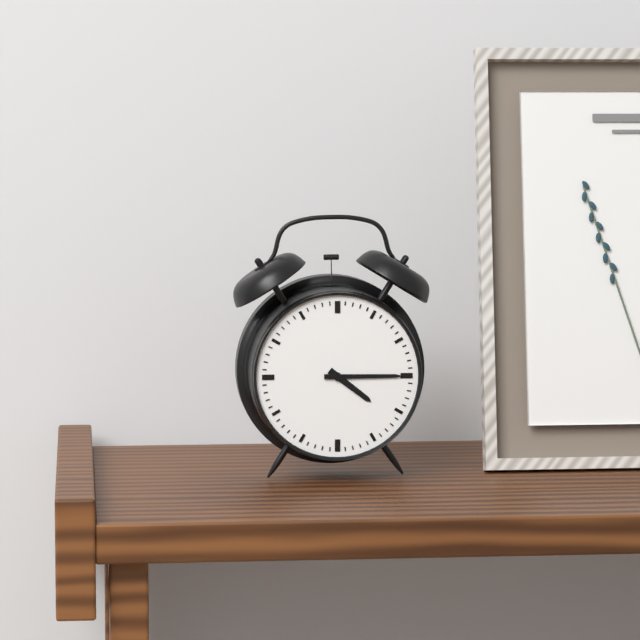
**4:15**
